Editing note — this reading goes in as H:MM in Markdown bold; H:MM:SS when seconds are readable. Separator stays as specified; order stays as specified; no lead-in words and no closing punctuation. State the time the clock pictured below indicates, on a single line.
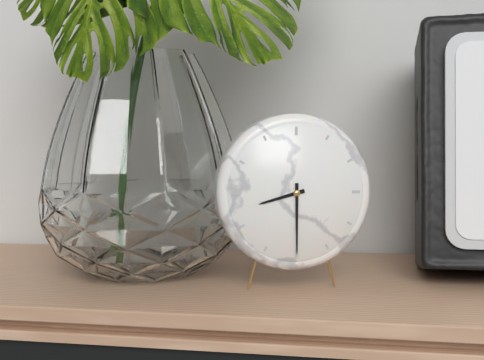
**8:30**
